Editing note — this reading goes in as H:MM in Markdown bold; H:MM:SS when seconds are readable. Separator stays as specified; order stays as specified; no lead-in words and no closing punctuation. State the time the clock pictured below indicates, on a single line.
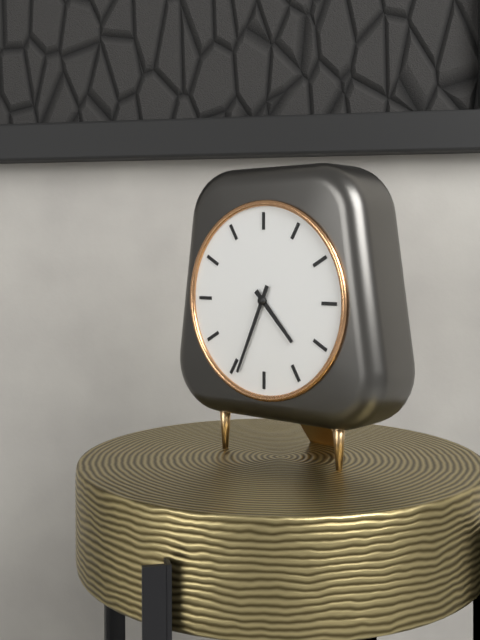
**4:34**
